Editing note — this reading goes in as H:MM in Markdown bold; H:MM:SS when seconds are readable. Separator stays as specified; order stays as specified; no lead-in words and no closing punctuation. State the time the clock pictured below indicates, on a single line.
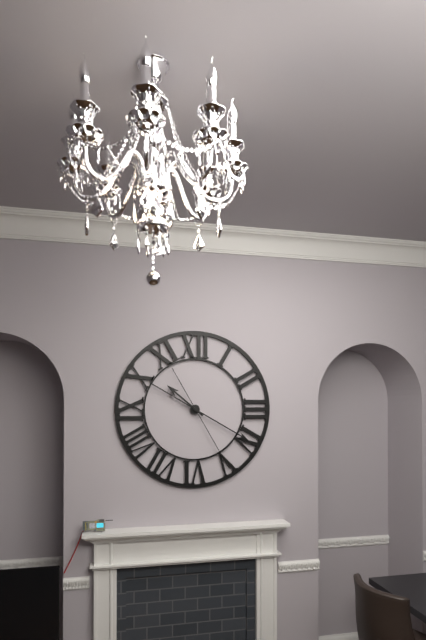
**10:20:25**
